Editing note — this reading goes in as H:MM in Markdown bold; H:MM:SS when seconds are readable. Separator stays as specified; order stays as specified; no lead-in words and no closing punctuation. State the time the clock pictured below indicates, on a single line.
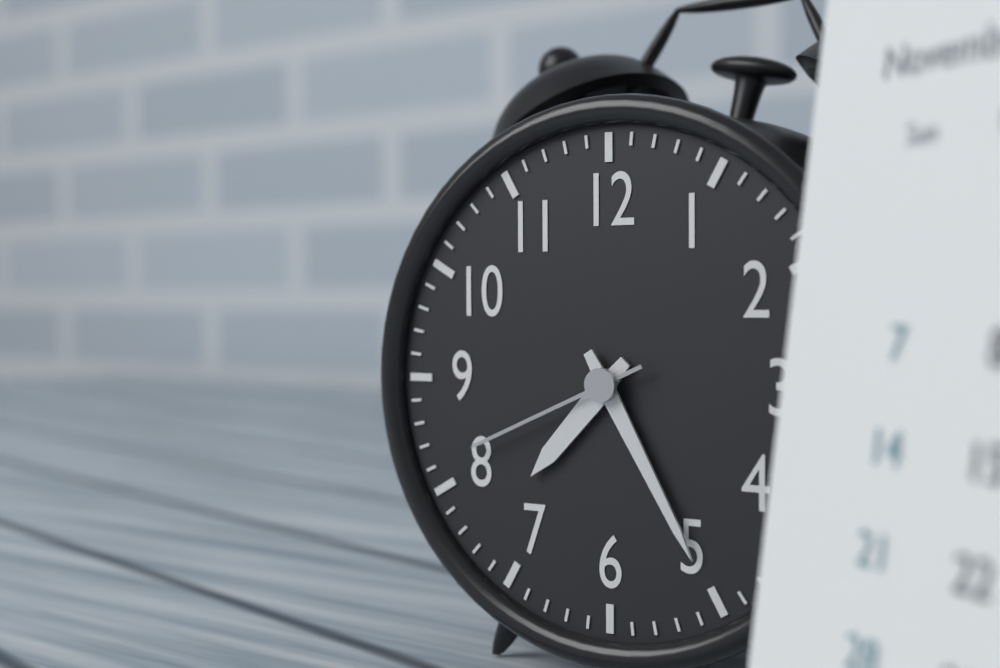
**7:25:41**
